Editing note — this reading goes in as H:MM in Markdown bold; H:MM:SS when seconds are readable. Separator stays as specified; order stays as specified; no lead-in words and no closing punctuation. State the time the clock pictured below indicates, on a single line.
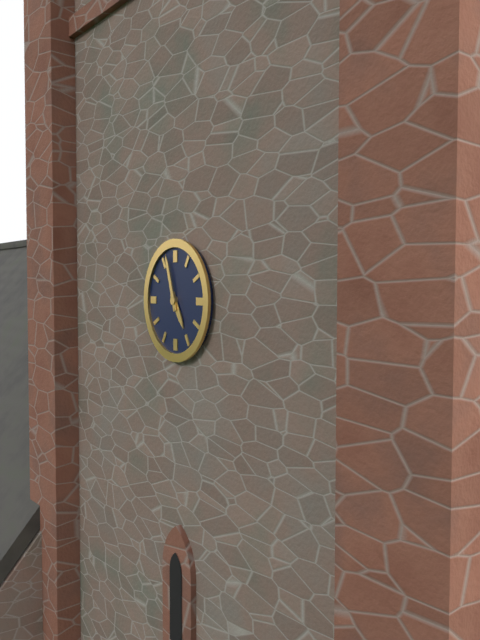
**4:57**
